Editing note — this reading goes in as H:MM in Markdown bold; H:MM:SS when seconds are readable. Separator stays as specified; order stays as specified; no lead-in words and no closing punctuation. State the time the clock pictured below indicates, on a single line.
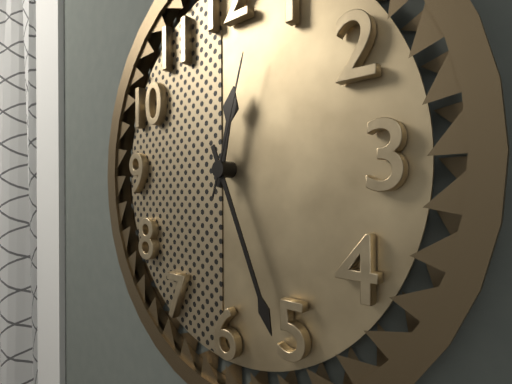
**12:26:03**
